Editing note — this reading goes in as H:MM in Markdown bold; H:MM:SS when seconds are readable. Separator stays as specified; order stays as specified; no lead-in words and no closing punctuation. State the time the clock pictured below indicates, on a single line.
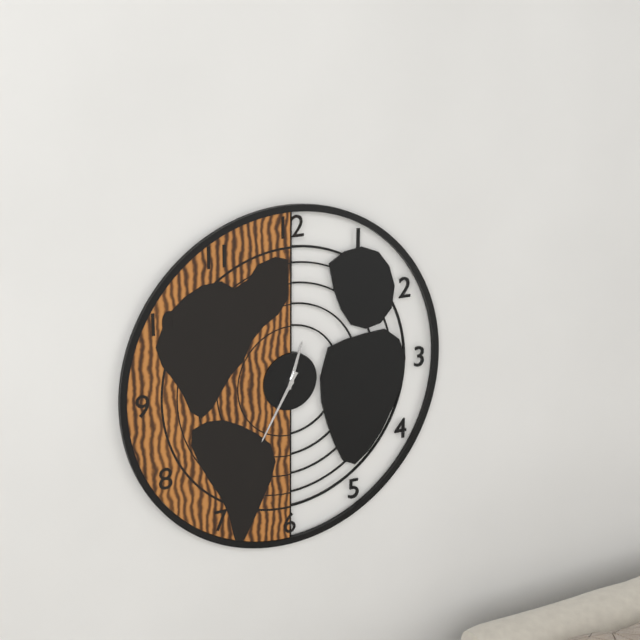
**12:35**
